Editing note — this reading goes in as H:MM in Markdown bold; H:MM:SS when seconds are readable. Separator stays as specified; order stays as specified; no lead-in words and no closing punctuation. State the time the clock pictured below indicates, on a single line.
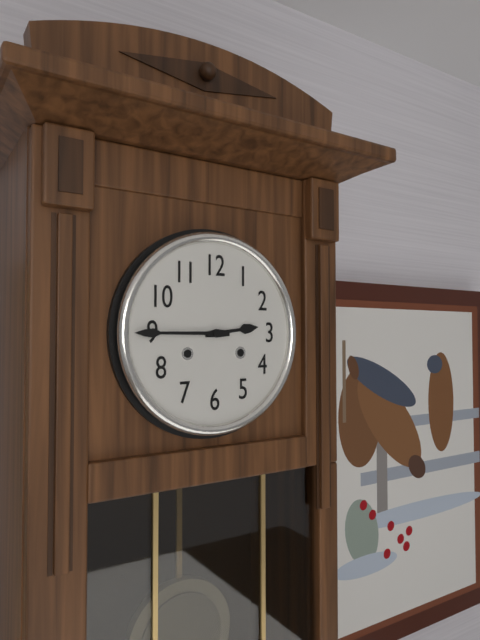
**2:45**
